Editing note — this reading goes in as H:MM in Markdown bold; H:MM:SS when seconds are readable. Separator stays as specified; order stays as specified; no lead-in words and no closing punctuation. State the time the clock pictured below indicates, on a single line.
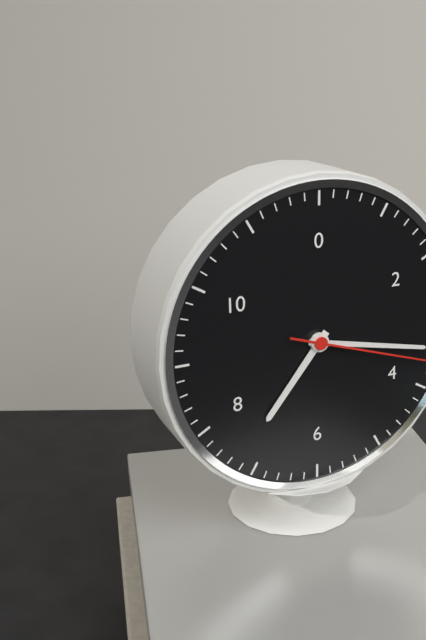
**7:17**
